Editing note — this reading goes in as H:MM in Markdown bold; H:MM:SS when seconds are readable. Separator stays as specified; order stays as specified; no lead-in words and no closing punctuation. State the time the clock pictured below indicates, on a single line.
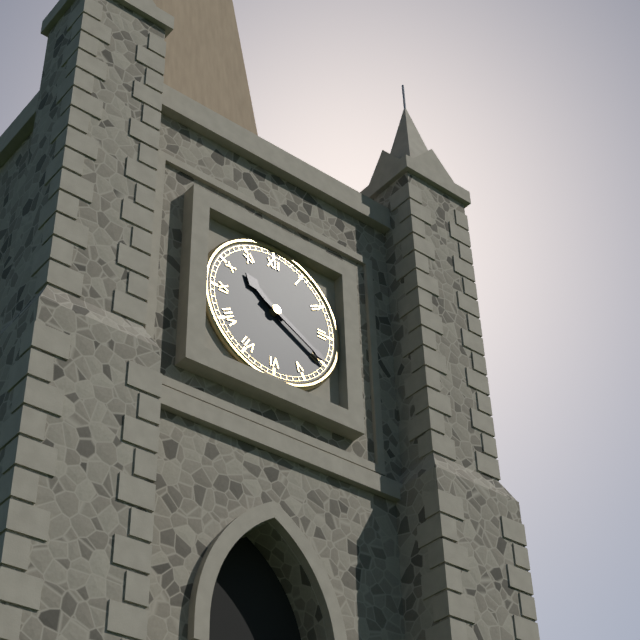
**10:20**
